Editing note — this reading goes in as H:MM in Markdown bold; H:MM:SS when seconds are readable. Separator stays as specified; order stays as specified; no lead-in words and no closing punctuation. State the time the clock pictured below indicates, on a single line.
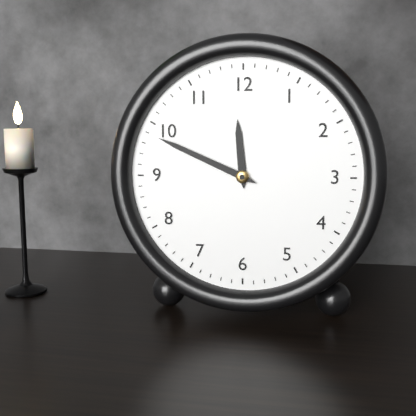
**11:49**
